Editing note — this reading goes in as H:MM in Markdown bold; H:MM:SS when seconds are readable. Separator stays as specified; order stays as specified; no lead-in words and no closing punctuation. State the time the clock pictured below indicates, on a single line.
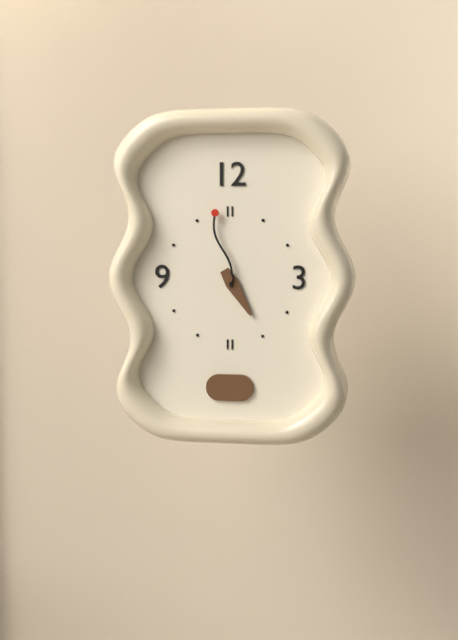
**4:58**
